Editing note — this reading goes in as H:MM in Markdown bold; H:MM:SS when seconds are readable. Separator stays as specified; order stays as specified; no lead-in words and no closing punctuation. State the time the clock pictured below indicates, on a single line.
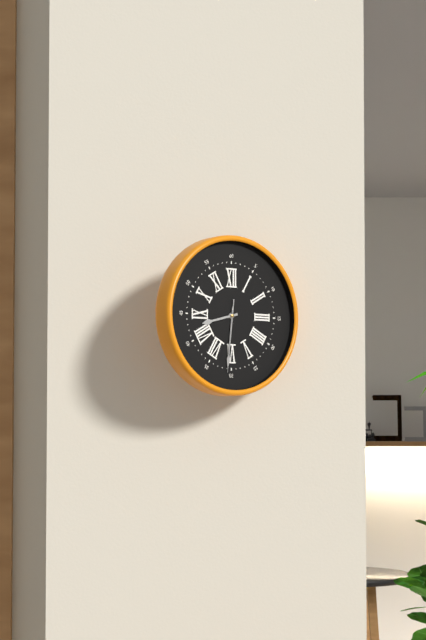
**8:31:31**
